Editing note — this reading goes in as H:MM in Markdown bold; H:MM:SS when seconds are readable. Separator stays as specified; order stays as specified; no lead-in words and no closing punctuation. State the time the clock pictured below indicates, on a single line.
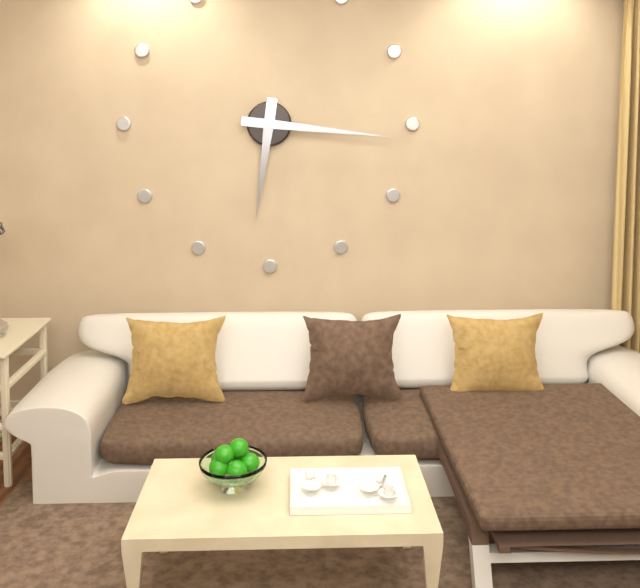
**6:16**
